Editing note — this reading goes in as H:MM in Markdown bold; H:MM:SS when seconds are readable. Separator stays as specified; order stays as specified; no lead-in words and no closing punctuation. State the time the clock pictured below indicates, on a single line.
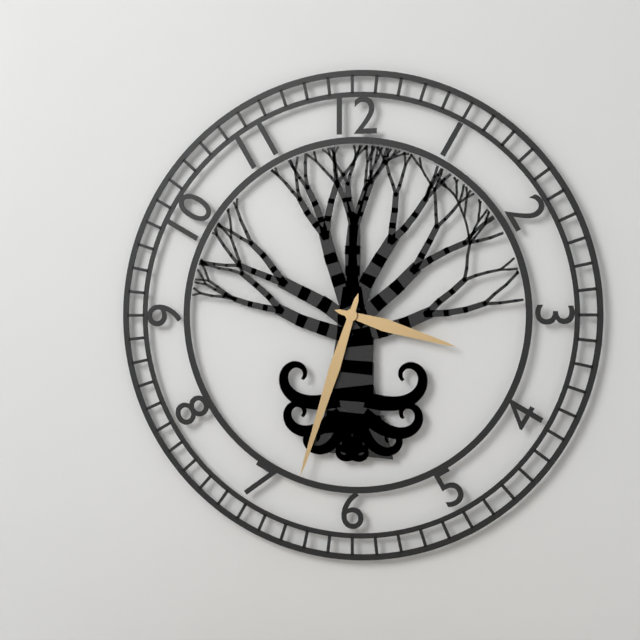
**3:33**
